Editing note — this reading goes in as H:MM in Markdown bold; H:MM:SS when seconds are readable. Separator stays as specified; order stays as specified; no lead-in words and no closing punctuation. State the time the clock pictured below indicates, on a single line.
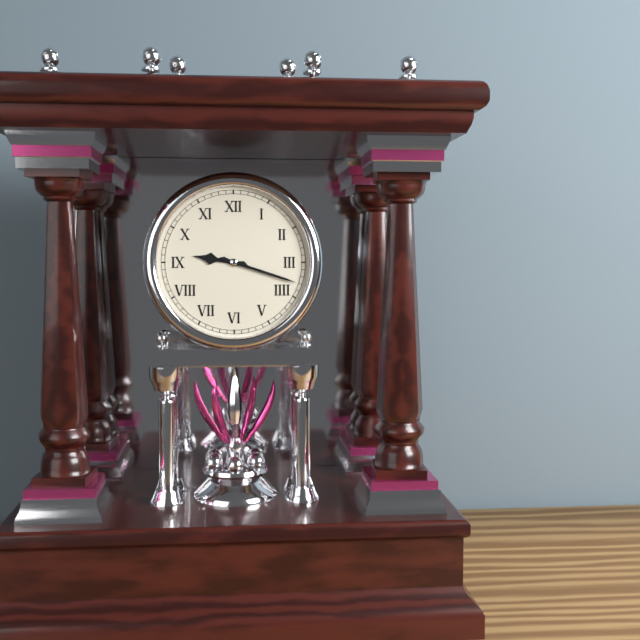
**9:18**
